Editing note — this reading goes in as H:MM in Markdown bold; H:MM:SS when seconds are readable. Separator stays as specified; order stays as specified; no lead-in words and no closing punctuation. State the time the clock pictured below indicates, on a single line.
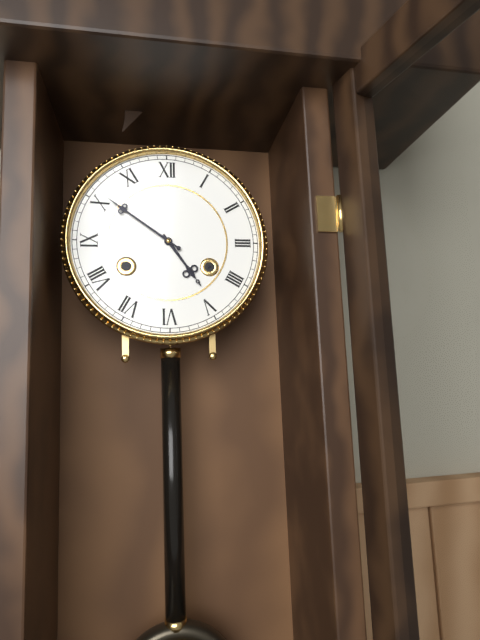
**4:51**
